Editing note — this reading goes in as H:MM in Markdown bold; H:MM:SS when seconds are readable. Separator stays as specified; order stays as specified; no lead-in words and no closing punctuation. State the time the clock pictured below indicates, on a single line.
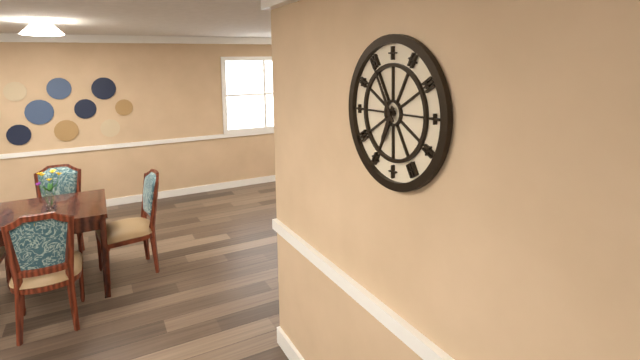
**6:55**
